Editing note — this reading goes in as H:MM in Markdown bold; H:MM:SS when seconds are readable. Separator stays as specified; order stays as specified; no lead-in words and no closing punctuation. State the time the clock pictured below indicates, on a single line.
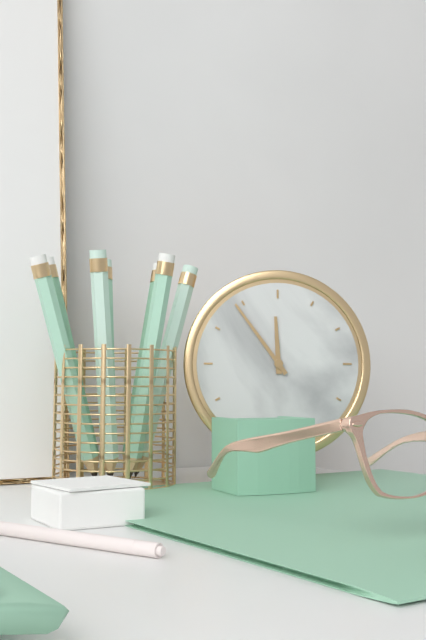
**11:54**
